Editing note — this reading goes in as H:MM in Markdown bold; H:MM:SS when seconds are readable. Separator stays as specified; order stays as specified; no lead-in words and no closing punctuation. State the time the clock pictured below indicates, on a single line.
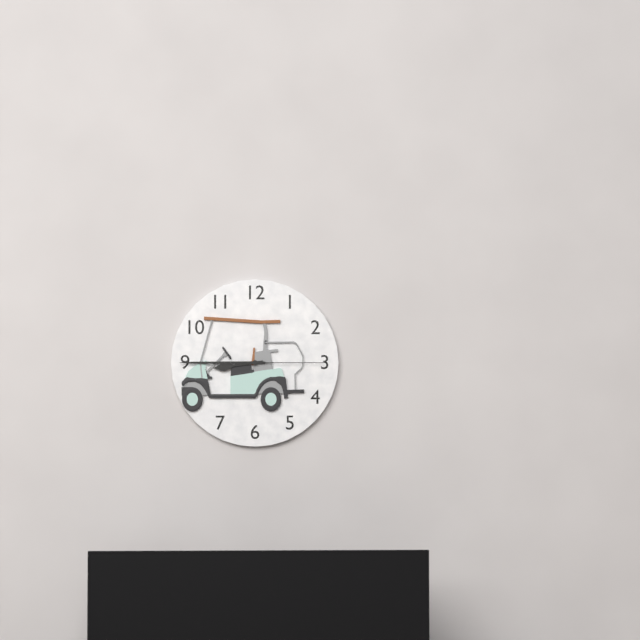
**8:45:15**
